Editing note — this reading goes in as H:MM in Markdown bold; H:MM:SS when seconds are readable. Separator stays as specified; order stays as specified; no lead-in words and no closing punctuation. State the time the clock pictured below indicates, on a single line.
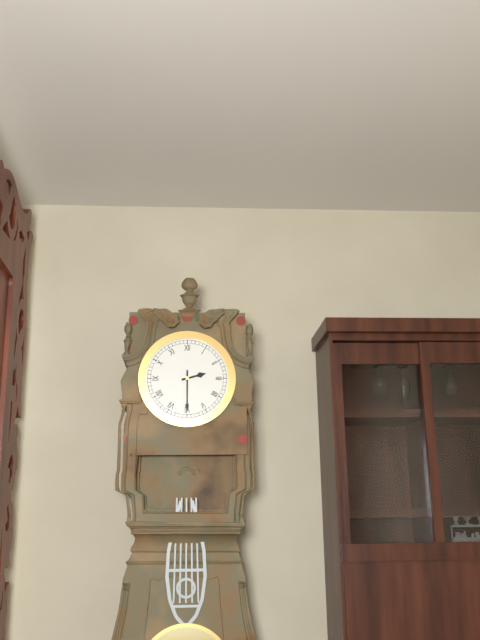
**2:30**
